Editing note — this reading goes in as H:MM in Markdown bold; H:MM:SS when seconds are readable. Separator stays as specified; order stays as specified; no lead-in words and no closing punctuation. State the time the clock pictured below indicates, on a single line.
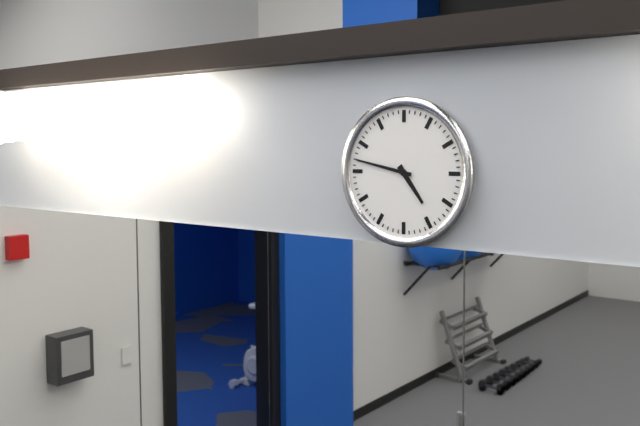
**4:47**
